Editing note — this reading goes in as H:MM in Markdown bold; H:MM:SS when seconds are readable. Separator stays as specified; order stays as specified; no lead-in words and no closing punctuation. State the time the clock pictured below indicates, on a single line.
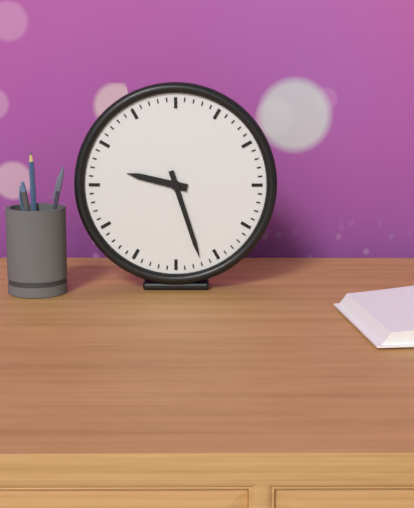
**9:27**
